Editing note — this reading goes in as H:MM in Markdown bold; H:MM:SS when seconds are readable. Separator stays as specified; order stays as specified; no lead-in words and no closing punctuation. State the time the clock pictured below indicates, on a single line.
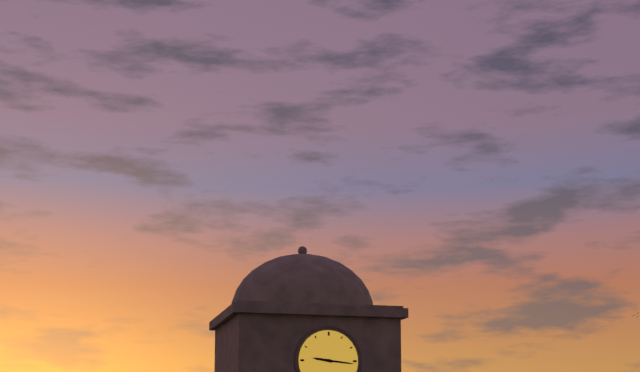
**9:16**
